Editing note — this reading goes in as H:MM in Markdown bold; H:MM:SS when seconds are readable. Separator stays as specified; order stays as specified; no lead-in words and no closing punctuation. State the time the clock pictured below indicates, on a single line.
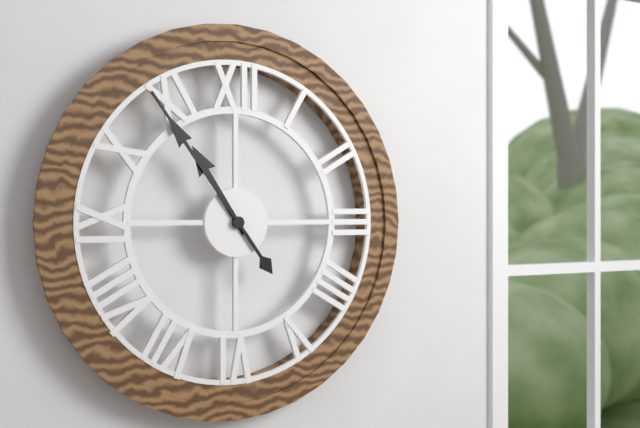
**10:54**
